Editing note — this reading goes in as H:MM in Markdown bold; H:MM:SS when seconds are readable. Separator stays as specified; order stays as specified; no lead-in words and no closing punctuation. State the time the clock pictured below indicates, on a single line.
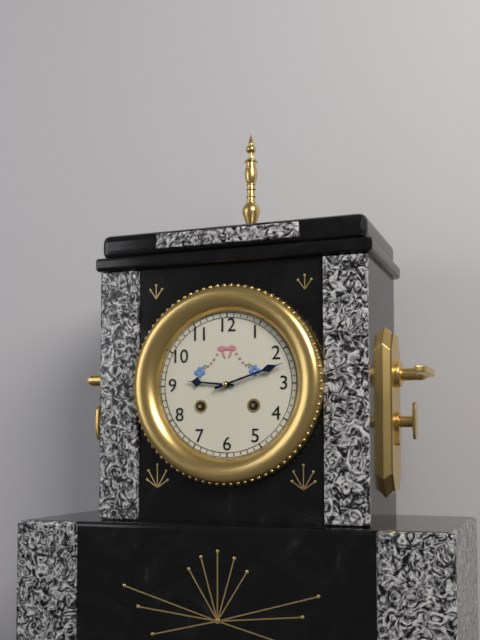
**9:12**
